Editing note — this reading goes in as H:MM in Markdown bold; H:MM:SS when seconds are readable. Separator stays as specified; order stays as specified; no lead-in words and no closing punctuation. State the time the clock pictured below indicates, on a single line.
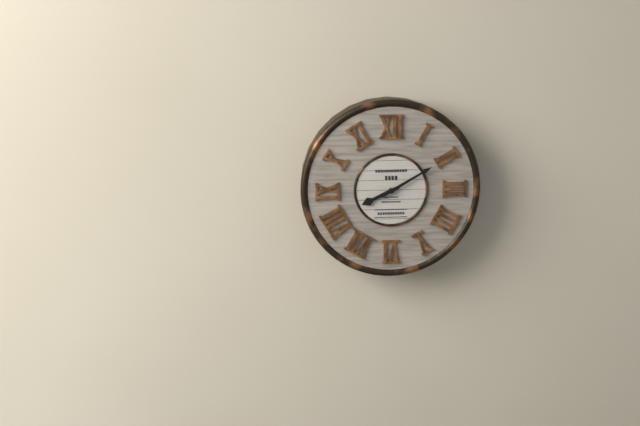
**8:10**
